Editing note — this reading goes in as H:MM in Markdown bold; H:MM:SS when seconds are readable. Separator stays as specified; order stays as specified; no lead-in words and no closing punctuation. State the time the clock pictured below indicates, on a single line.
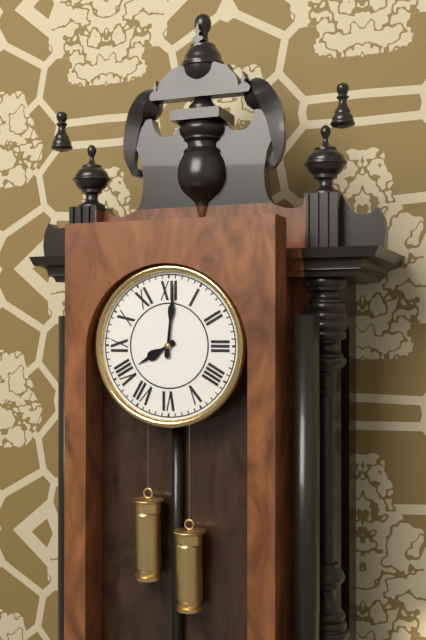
**8:01**
